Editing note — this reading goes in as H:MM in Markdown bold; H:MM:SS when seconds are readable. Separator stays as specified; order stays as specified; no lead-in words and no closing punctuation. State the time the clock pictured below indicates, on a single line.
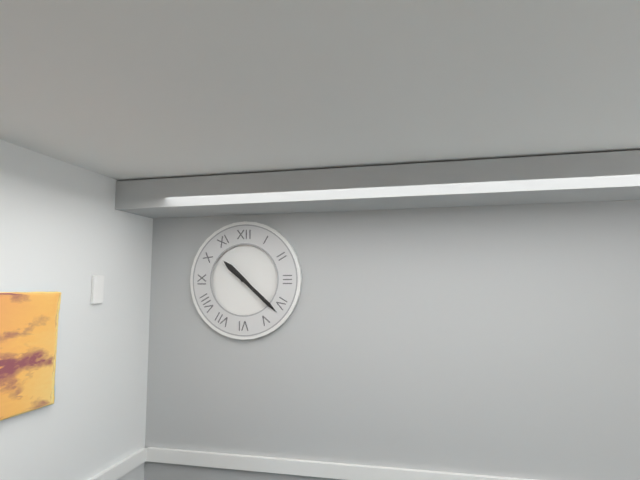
**10:22**
